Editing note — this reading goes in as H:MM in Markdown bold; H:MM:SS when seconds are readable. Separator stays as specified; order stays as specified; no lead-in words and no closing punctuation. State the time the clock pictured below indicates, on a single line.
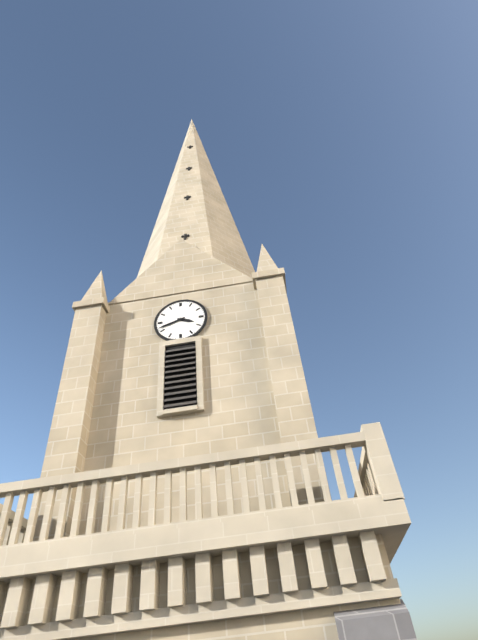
**3:42**
